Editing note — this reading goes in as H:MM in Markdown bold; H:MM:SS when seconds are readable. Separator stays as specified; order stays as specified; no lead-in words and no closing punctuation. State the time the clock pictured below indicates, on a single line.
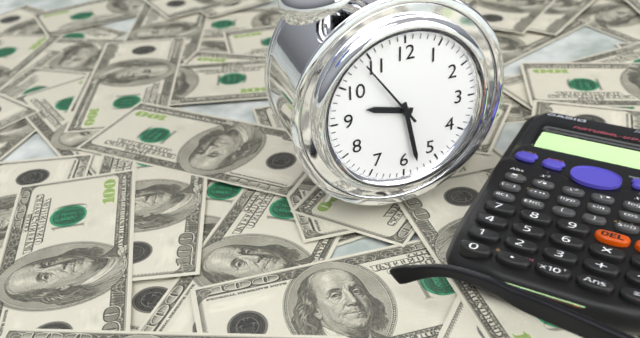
**9:28:54**
